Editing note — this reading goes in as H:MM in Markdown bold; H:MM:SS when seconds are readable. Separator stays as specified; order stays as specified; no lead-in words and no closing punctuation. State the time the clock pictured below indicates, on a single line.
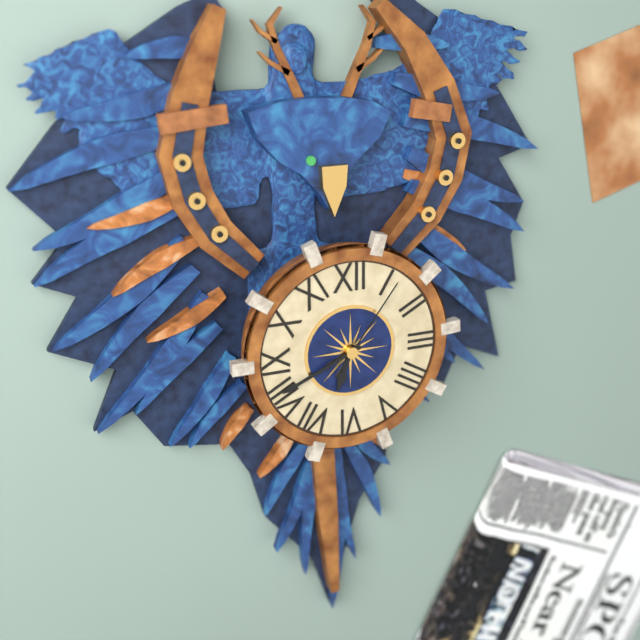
**6:41:06**
